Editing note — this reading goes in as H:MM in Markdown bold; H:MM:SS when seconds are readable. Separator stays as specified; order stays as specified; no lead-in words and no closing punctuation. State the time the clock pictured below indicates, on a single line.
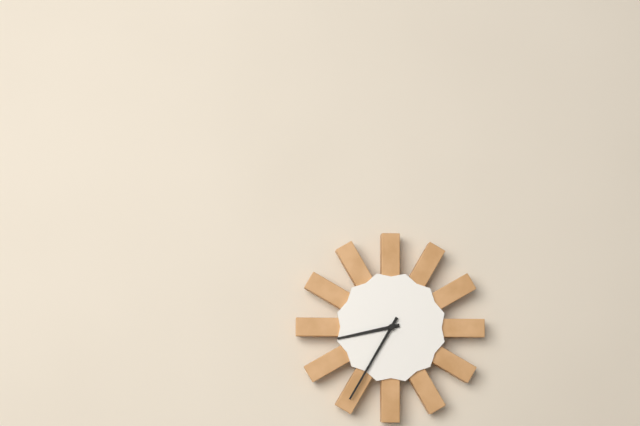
**8:35**
